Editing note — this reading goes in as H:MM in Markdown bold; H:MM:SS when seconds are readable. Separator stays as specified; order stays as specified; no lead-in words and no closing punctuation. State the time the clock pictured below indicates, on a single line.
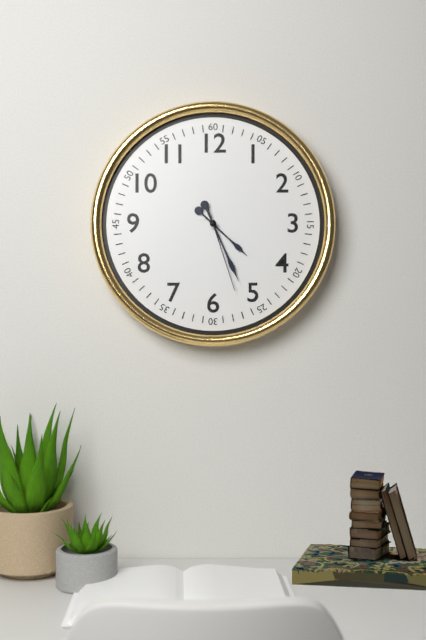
**4:26:27**
